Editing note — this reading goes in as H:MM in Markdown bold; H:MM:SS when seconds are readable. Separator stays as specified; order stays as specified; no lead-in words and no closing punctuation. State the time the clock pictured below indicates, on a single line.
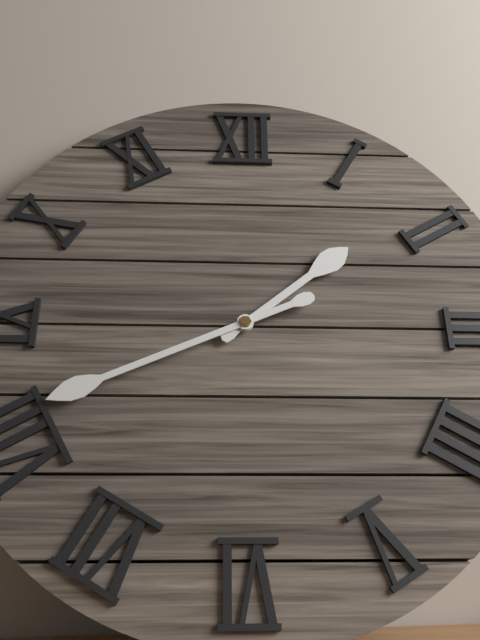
**1:41**
